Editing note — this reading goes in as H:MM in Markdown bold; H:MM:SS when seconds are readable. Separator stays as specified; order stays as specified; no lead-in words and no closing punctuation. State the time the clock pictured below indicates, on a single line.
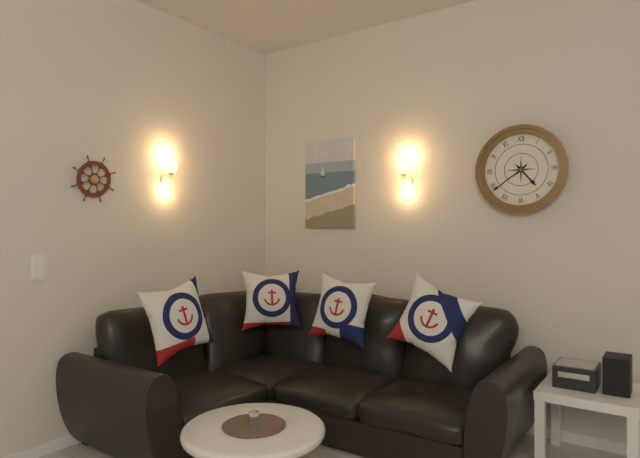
**4:39**
